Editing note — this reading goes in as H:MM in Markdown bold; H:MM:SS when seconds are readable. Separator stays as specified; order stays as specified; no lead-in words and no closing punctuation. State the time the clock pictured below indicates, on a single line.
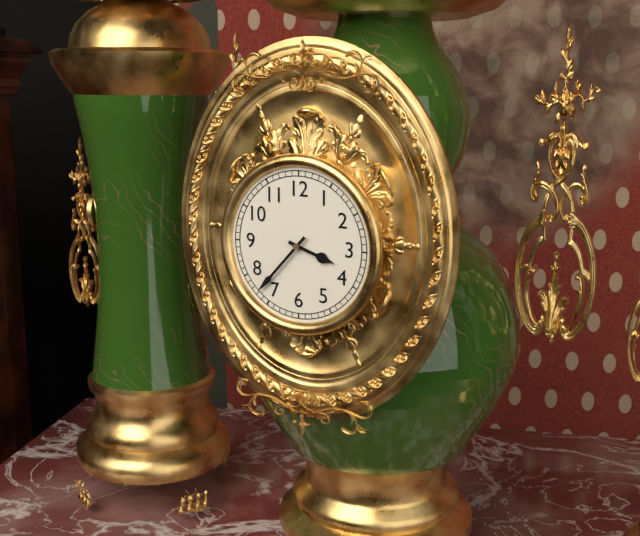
**3:37**
